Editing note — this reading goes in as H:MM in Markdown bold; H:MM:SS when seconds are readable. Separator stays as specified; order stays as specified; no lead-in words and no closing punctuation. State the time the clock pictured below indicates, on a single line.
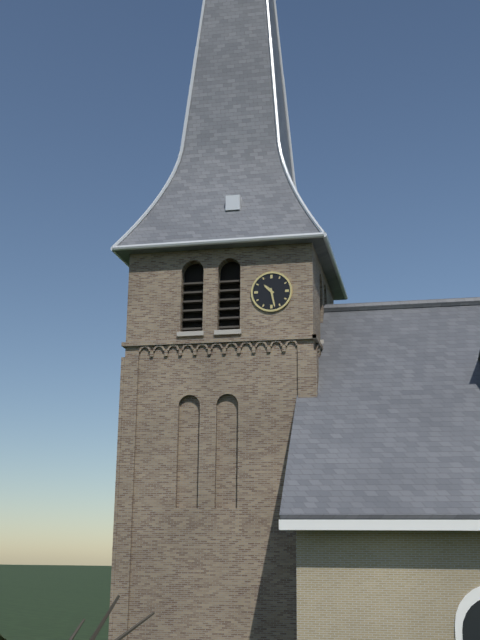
**10:28**
